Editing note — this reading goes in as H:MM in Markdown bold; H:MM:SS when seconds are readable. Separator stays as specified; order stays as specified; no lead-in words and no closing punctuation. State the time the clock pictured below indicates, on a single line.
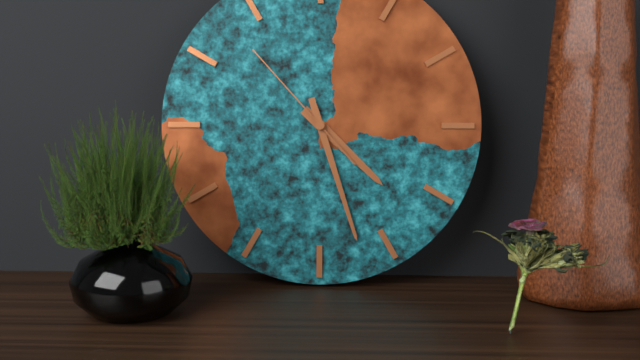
**4:27:53**
